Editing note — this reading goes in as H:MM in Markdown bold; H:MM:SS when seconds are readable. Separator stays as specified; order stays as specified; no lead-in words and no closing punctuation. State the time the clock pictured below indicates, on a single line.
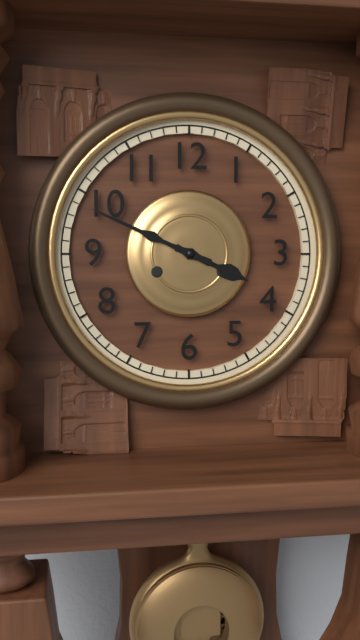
**3:49**
